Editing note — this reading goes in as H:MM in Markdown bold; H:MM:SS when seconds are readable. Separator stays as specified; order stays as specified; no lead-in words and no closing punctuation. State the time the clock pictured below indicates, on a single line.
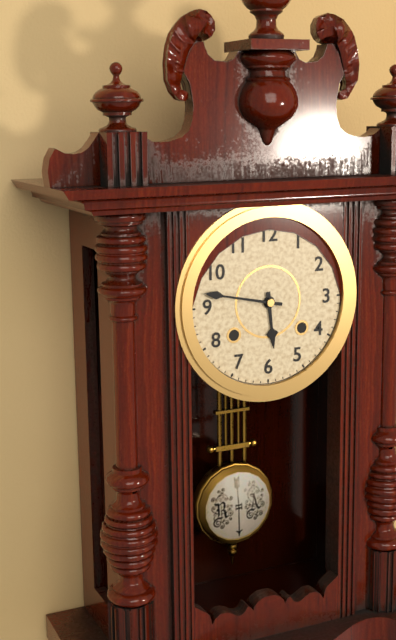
**5:47**
